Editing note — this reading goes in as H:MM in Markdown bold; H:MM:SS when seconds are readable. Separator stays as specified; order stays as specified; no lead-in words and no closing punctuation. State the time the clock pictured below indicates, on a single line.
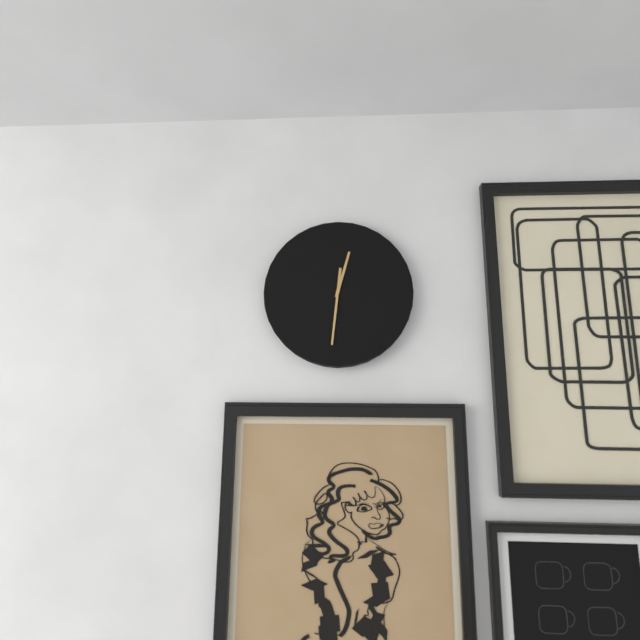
**12:31**
